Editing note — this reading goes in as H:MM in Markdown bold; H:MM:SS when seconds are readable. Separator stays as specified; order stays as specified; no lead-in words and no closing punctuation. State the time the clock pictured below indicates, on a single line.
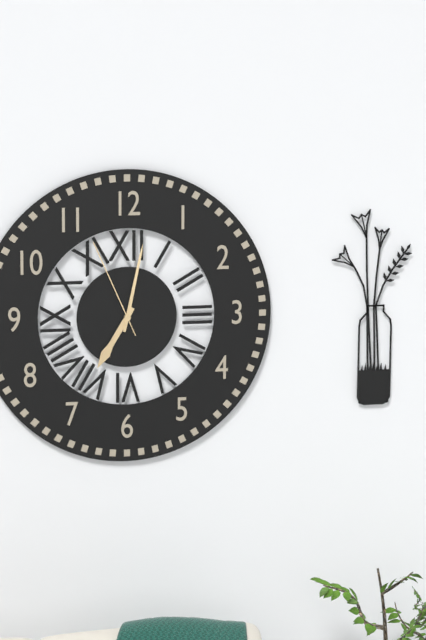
**7:02:56**
